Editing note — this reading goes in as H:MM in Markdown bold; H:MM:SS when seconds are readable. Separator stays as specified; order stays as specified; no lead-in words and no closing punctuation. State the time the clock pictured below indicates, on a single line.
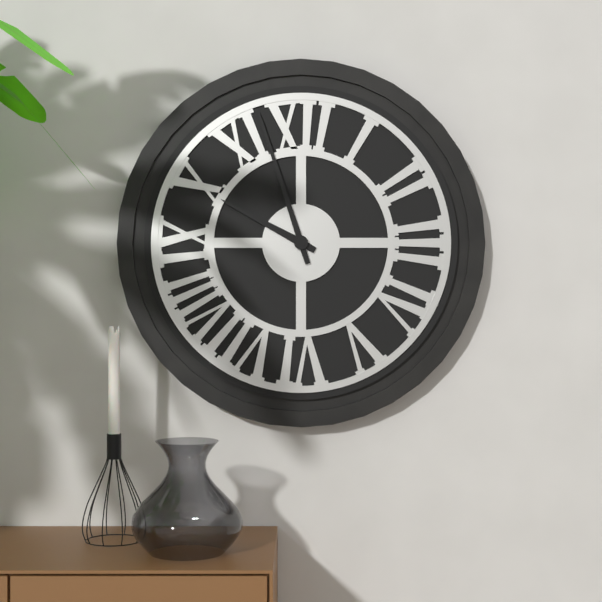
**9:57**
